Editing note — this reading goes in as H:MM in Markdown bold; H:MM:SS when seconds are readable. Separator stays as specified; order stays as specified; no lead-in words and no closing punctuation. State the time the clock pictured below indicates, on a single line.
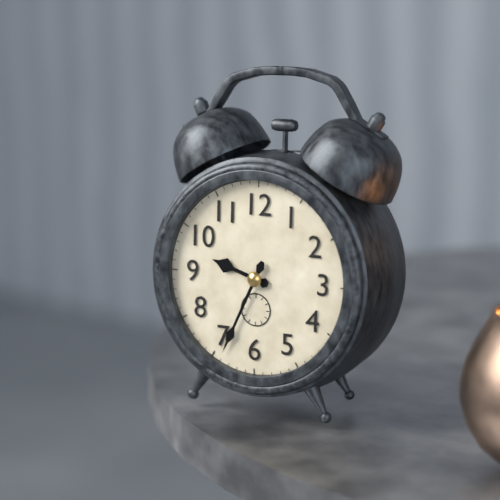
**9:34**
